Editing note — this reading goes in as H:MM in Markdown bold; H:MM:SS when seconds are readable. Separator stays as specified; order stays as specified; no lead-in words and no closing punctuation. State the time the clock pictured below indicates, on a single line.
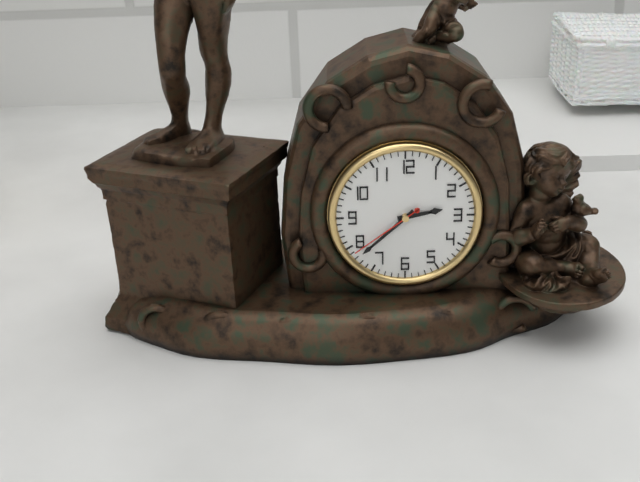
**2:38:39**
